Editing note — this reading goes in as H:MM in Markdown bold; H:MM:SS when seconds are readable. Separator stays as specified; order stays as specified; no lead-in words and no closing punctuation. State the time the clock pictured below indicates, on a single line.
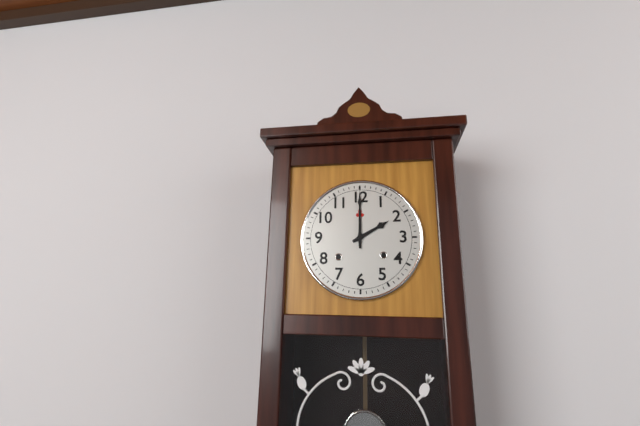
**2:00**
